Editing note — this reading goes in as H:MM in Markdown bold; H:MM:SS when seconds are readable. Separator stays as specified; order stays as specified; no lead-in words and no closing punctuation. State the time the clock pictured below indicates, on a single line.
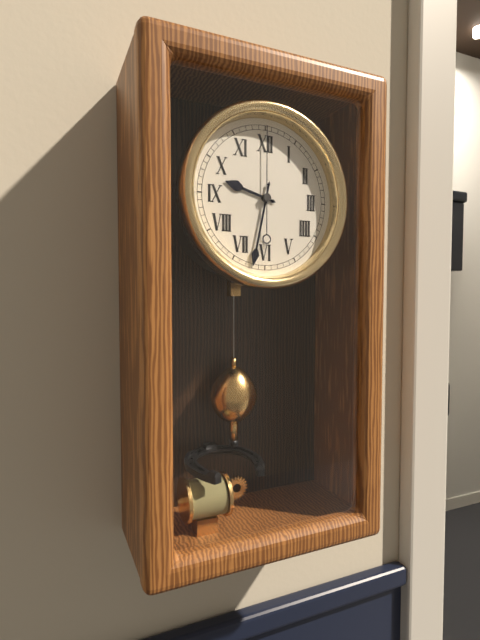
**9:32:00**
